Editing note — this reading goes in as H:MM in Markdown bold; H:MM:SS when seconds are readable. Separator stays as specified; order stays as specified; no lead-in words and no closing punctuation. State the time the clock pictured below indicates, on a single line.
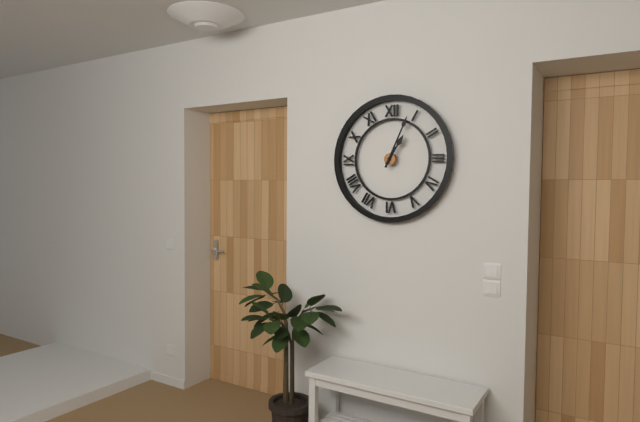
**1:04**
